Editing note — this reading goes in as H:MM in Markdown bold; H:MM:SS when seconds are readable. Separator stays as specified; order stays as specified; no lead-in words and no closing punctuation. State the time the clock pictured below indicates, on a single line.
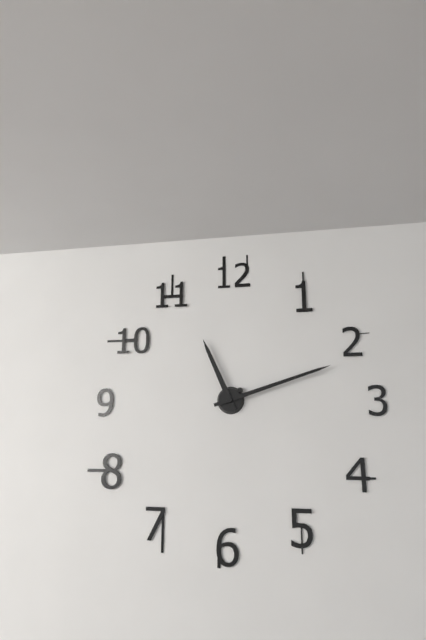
**11:12**
